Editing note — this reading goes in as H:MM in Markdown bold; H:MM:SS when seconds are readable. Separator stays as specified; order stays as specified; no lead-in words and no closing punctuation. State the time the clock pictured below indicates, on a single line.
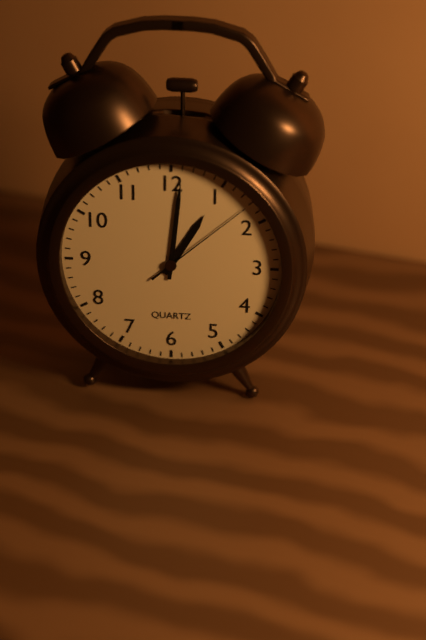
**1:01:08**
